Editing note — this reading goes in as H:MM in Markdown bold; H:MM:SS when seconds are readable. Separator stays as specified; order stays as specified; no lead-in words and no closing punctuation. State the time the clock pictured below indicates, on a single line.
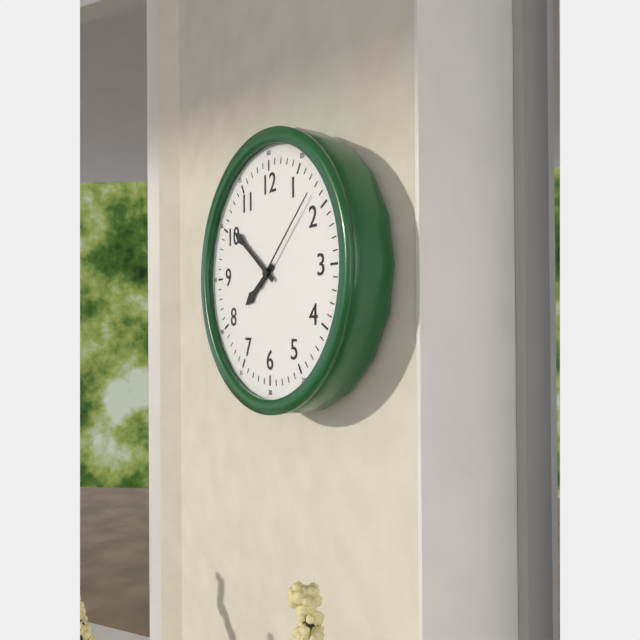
**7:51:08**
